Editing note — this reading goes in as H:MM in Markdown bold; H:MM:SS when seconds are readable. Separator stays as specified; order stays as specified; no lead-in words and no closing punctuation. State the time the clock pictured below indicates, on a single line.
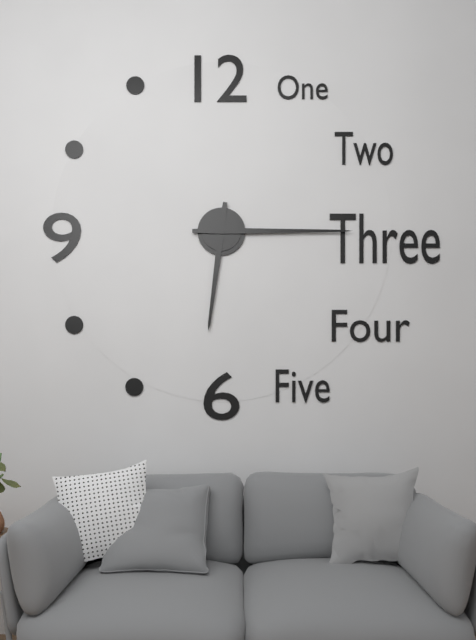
**6:15**
